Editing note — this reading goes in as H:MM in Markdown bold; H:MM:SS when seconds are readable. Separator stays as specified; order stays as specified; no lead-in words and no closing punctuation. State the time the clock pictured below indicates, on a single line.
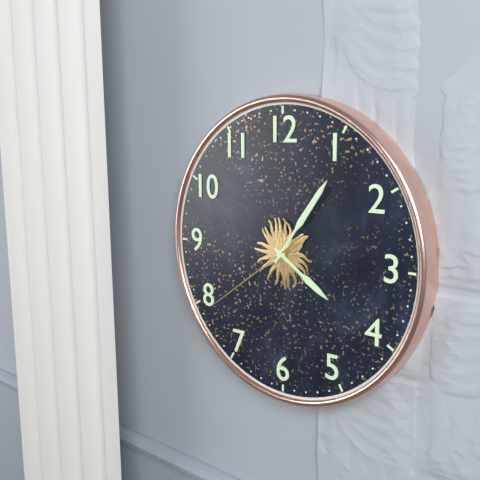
**4:06:39**
